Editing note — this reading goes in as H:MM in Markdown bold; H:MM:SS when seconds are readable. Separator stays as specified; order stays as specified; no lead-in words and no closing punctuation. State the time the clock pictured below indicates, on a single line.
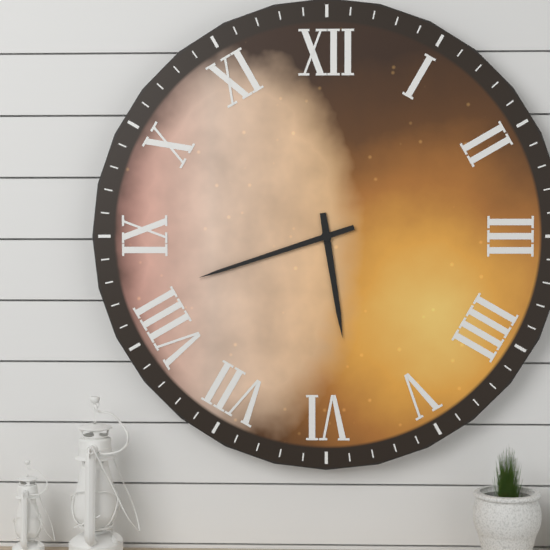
**5:42**
